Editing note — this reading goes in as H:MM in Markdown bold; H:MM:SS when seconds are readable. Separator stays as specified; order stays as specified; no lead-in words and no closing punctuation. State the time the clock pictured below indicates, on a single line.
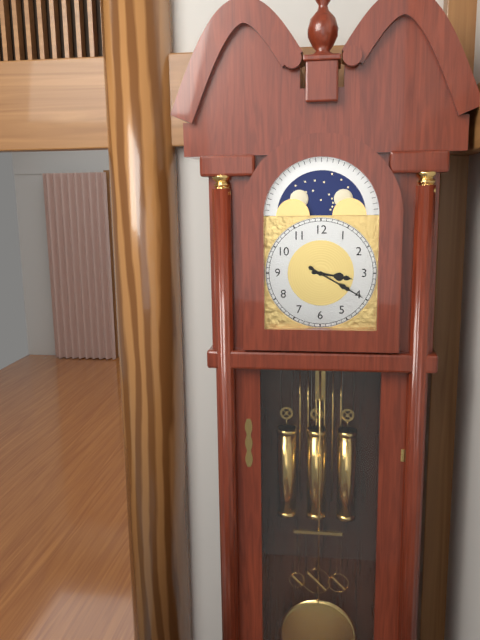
**3:20**
